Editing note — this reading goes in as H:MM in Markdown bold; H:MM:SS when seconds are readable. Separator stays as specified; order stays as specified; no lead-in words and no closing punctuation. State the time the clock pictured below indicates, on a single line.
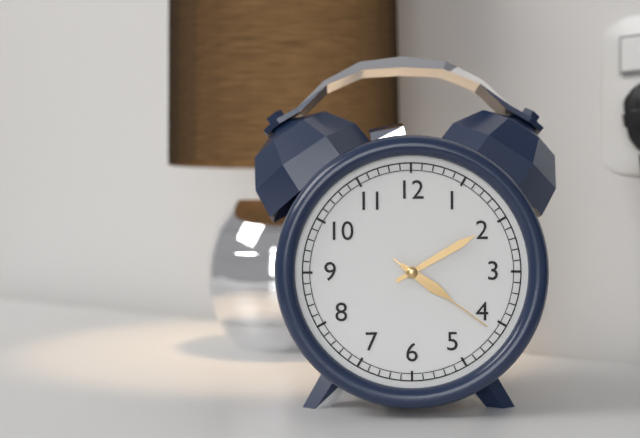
**4:10:21**
